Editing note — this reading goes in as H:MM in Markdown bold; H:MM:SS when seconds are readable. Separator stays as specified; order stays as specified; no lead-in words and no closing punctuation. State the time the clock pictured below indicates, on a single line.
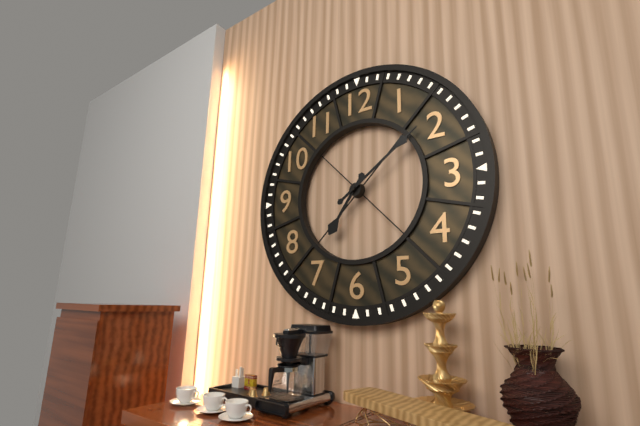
**7:09**
